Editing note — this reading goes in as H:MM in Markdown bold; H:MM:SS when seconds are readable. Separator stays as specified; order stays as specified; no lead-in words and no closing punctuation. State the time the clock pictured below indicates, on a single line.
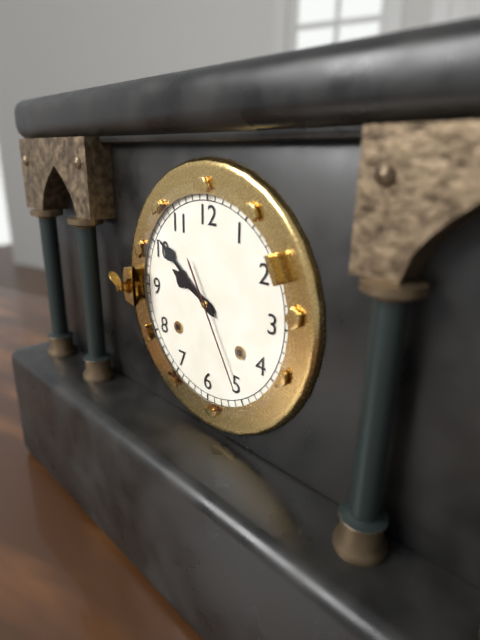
**9:51:25**
